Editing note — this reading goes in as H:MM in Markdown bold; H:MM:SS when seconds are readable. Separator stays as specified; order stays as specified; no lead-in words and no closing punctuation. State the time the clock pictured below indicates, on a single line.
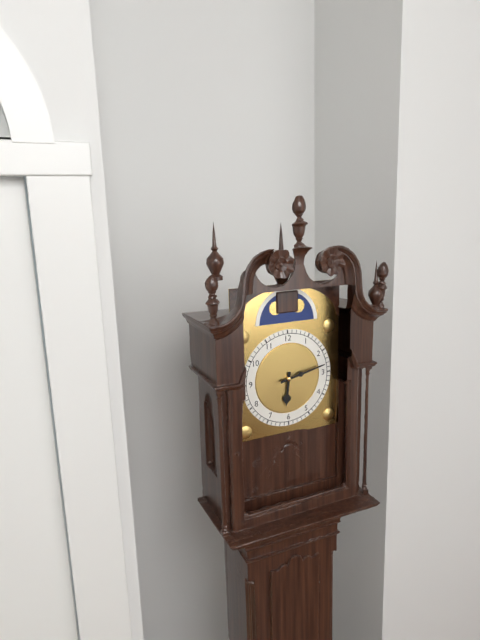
**6:13**
